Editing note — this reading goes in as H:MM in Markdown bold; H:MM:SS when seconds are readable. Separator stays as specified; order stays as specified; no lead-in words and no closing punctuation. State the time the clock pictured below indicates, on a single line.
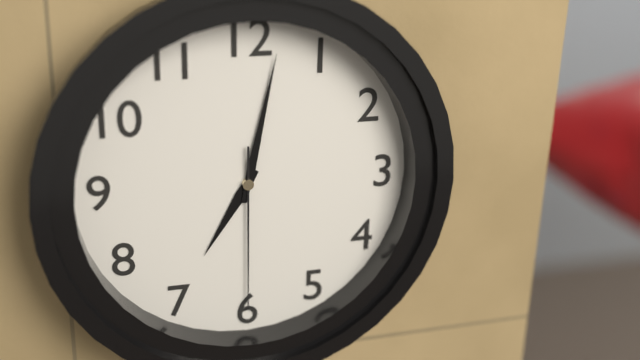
**7:02:30**
